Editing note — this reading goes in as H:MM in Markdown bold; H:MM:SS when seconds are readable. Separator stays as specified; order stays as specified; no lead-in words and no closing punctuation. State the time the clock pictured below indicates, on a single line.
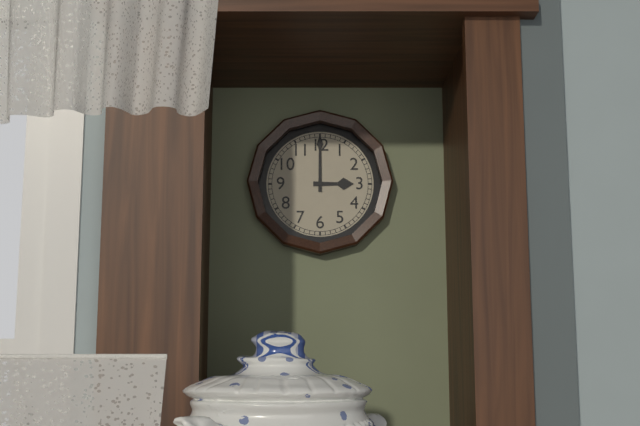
**3:00**
